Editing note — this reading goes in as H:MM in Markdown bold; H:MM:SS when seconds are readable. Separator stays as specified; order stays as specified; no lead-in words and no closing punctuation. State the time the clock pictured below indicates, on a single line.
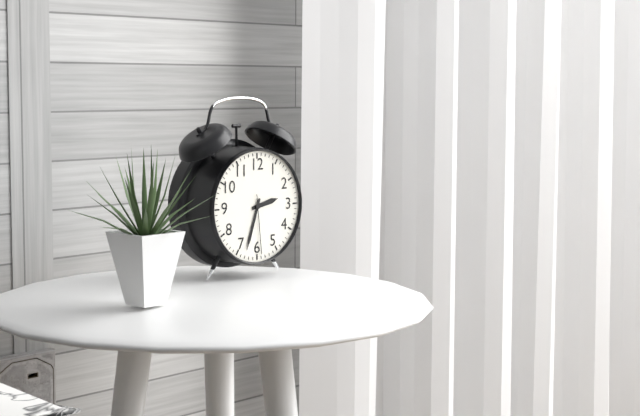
**2:33:29**
